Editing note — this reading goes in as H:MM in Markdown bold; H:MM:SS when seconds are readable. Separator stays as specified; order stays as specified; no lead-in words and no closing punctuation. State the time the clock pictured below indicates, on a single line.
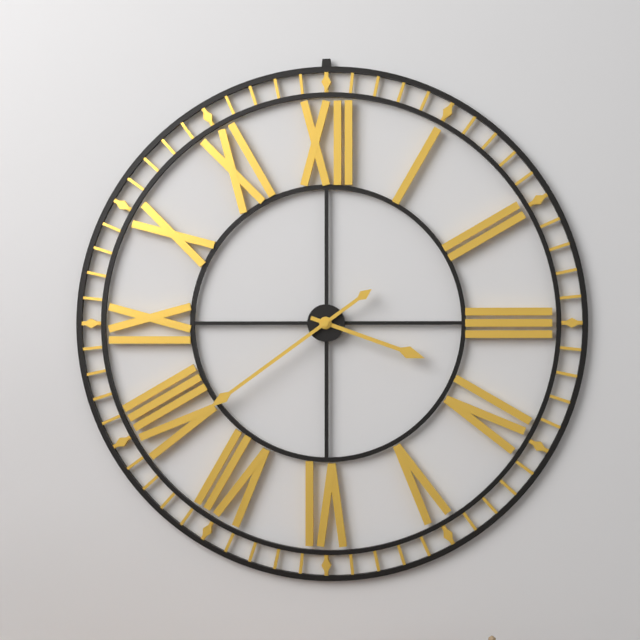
**3:39**
